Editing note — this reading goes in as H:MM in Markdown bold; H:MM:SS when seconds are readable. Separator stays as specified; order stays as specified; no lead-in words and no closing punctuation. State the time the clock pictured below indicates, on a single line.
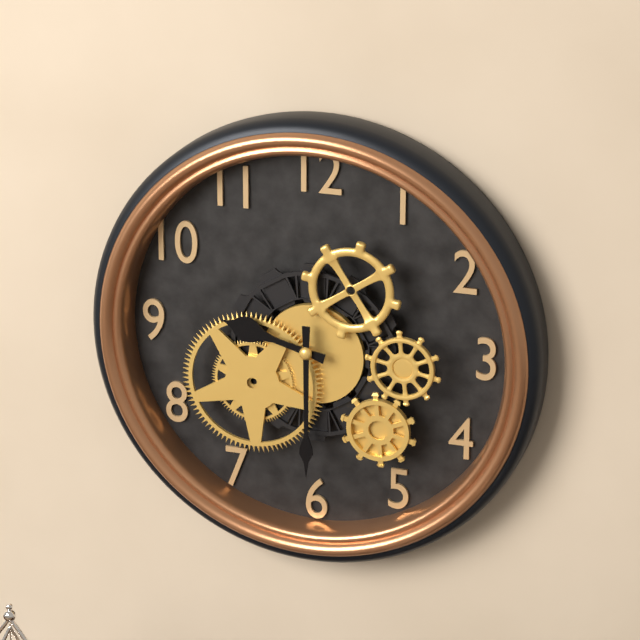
**9:30**
